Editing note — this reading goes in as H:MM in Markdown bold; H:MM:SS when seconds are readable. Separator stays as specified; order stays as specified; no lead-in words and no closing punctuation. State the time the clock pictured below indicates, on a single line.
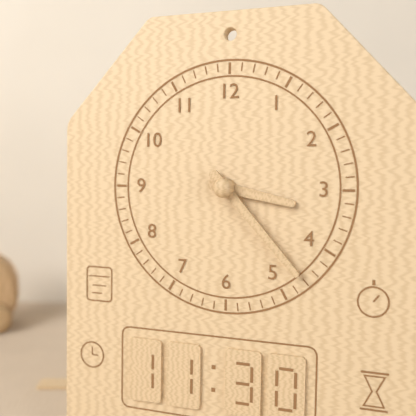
**3:23**
